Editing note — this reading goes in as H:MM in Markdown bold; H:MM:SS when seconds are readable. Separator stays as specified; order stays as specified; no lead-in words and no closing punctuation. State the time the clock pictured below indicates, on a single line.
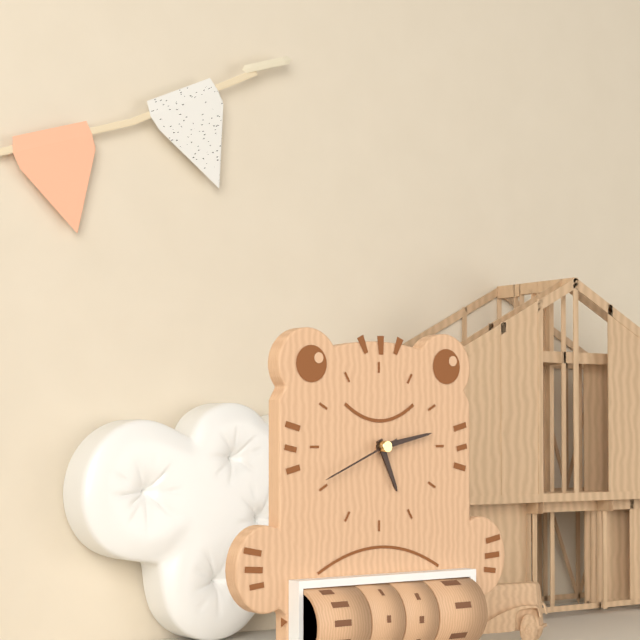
**5:13:41**
